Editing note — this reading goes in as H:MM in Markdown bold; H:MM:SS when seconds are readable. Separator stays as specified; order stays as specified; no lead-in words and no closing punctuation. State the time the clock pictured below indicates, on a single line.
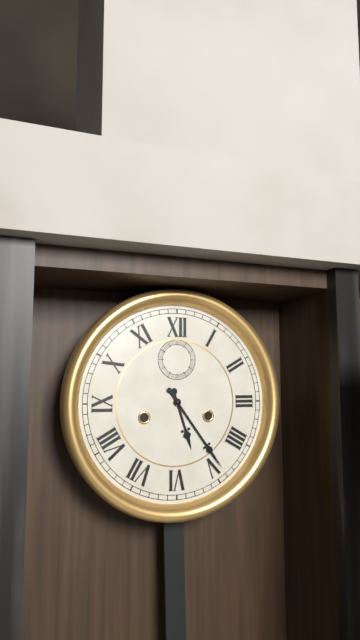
**5:24**
